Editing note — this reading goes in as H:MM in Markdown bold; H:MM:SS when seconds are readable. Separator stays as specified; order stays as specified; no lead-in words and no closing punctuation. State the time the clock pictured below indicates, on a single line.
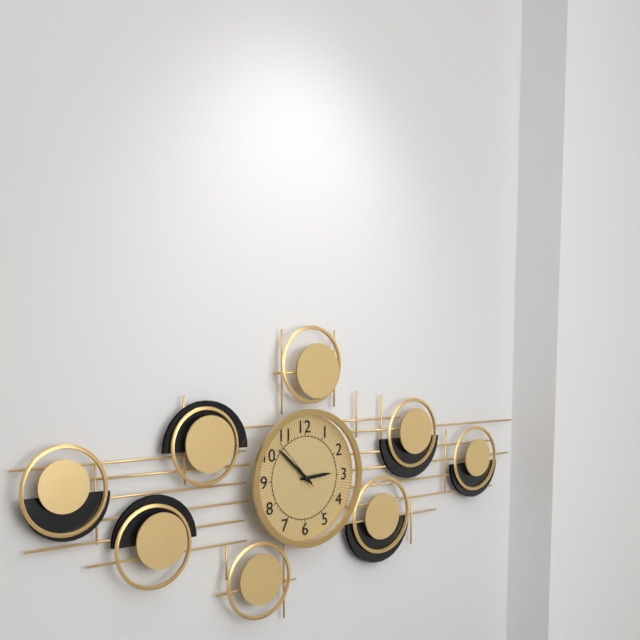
**2:52:53**
